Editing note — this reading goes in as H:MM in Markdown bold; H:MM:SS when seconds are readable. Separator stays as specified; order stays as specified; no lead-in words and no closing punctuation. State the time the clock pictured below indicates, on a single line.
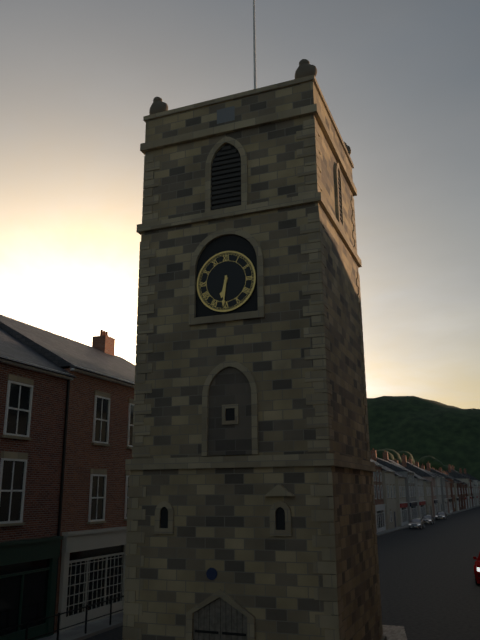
**6:31**
